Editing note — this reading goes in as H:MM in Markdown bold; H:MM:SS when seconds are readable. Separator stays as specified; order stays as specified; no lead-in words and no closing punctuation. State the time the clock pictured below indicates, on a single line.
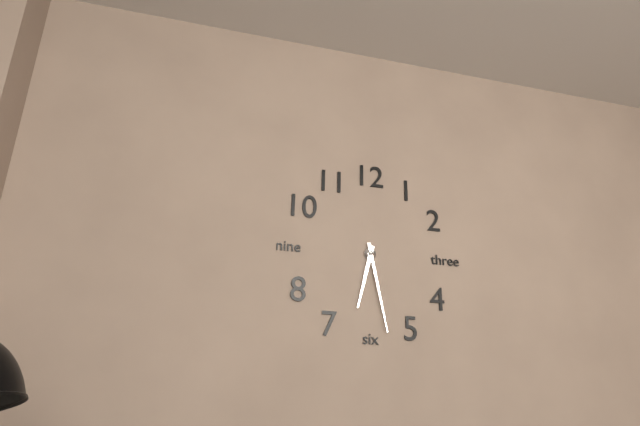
**6:28**
